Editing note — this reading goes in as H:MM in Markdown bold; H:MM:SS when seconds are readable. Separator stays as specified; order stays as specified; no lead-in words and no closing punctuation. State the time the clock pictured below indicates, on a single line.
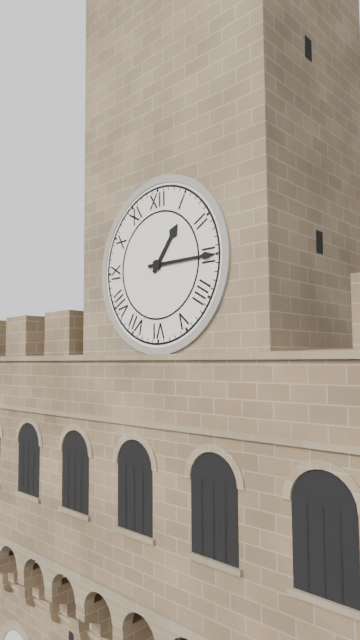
**1:15**
